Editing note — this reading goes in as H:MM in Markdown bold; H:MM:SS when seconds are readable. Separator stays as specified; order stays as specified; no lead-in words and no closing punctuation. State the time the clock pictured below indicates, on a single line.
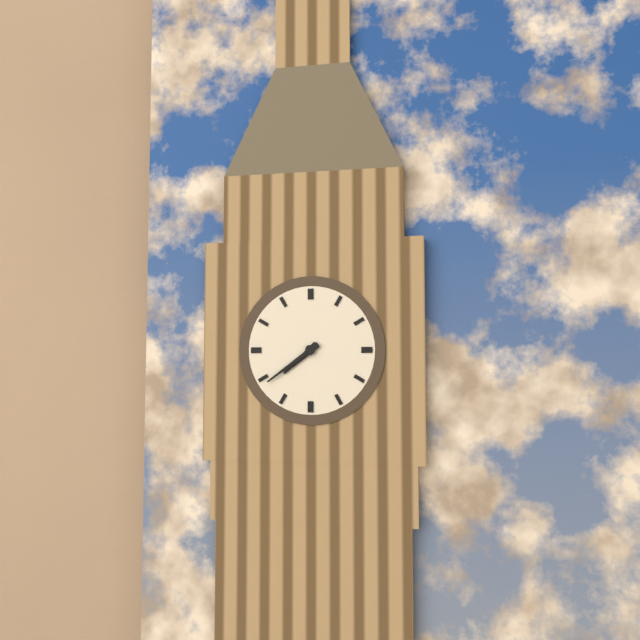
**7:39**
